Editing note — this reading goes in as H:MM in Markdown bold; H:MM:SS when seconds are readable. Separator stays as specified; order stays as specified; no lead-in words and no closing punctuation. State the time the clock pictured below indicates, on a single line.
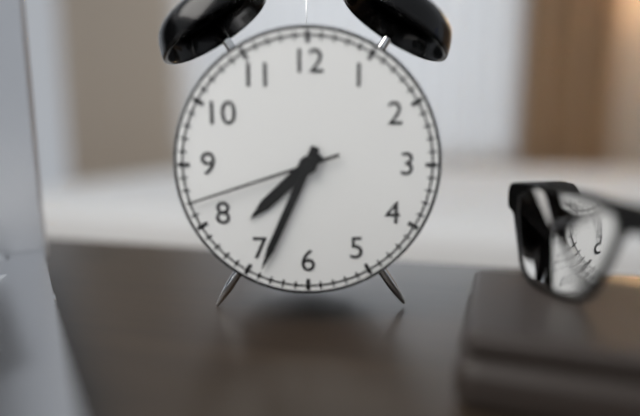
**7:34:42**
